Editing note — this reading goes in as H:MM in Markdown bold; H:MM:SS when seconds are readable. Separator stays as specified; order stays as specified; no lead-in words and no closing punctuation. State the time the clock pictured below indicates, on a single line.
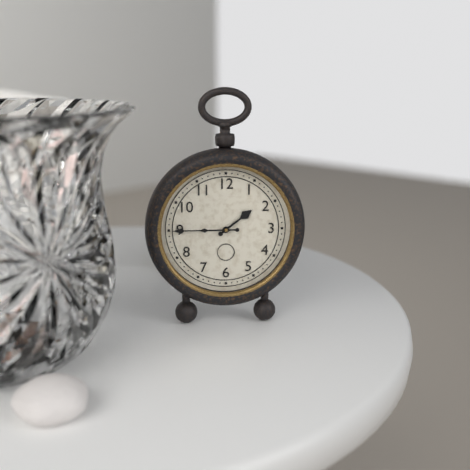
**1:45**
